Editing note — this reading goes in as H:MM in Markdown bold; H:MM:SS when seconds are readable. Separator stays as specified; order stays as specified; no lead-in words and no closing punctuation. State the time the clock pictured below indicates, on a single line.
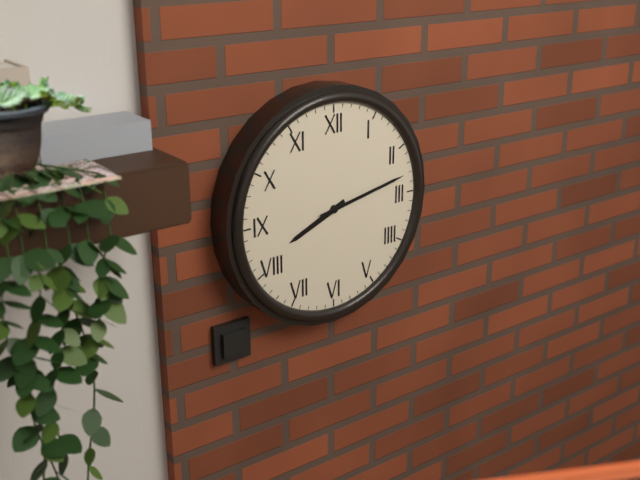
**8:13**
